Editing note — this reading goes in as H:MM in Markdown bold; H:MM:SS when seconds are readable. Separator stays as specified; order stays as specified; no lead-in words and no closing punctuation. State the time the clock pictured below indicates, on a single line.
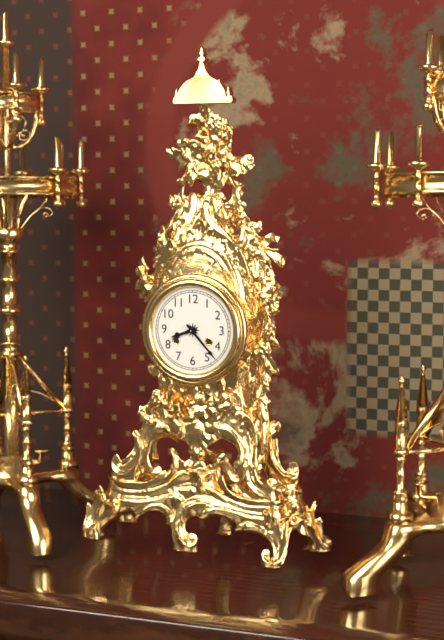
**8:23**
